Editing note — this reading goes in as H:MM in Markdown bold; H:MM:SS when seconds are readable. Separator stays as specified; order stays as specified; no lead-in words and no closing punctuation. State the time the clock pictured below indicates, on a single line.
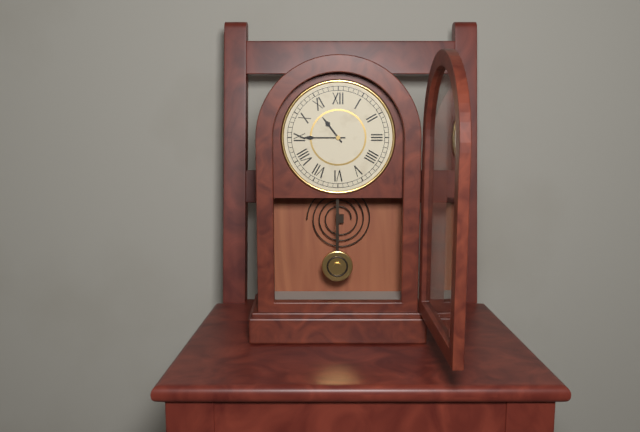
**10:45**
